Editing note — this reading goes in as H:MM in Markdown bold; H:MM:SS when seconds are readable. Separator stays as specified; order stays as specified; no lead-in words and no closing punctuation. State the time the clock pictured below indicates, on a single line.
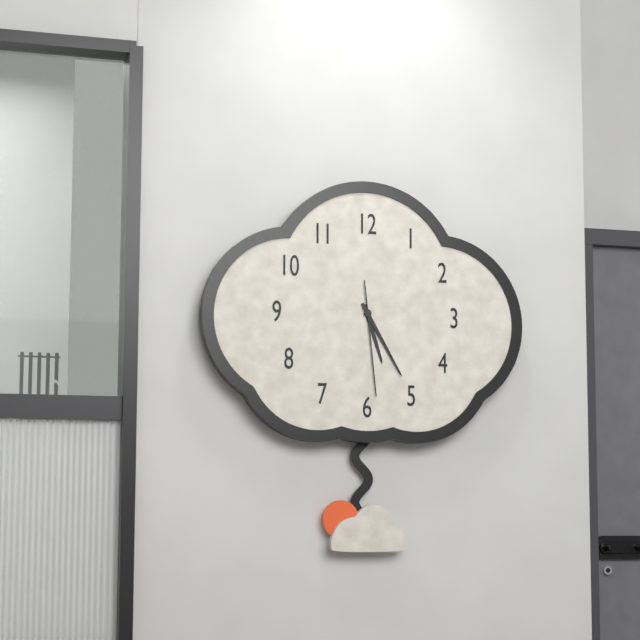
**5:25:29**
